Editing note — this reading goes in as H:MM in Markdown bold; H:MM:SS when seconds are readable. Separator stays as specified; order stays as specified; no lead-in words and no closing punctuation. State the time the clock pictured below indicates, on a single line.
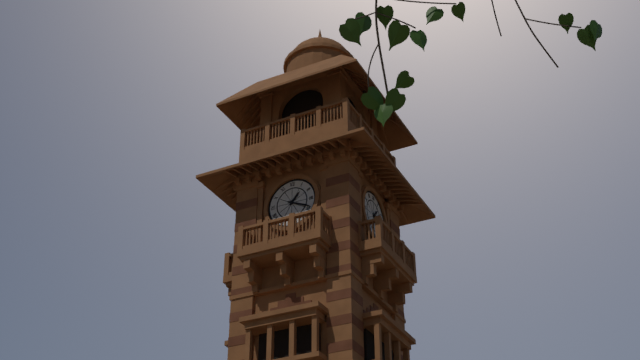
**1:19**
